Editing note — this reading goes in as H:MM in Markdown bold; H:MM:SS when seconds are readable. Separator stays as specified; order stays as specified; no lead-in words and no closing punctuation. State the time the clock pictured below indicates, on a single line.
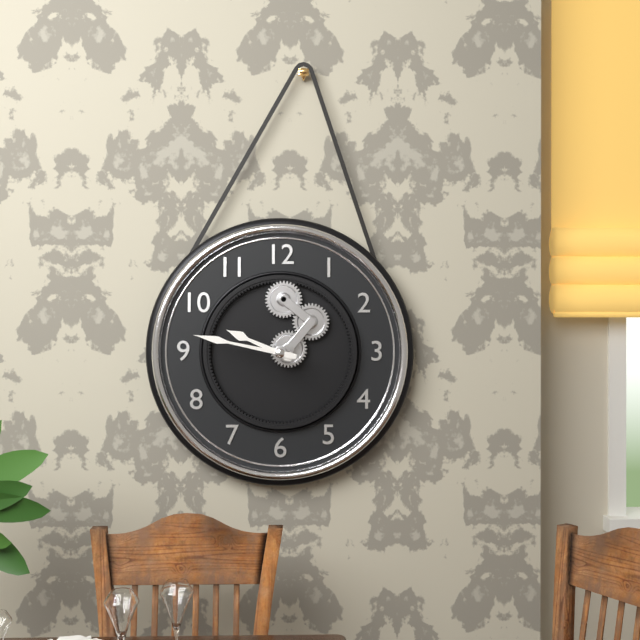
**9:47**
